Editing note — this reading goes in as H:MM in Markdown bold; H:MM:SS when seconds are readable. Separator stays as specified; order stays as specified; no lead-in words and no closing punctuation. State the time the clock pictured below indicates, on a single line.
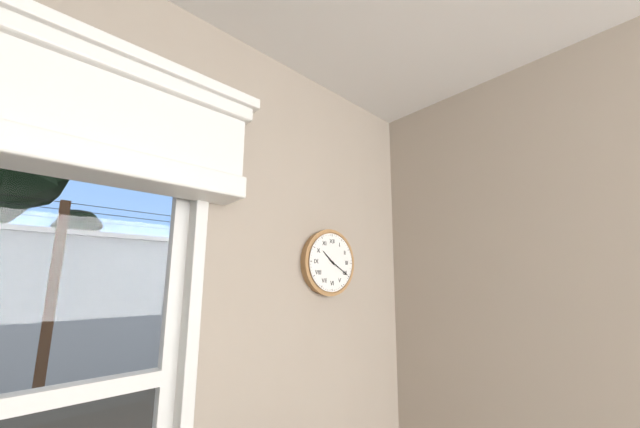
**10:20**
